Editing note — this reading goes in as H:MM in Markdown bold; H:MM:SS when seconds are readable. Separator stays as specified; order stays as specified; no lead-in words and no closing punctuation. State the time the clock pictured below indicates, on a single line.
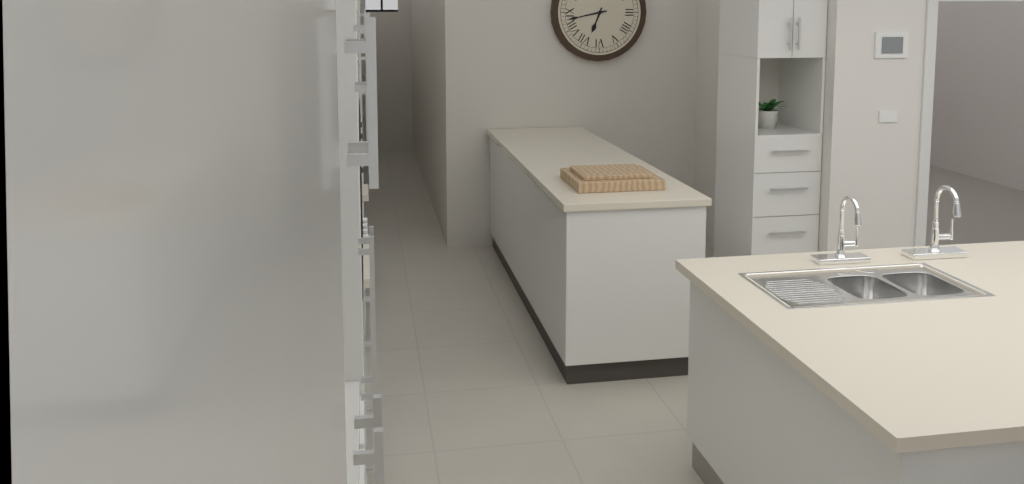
**6:43**
